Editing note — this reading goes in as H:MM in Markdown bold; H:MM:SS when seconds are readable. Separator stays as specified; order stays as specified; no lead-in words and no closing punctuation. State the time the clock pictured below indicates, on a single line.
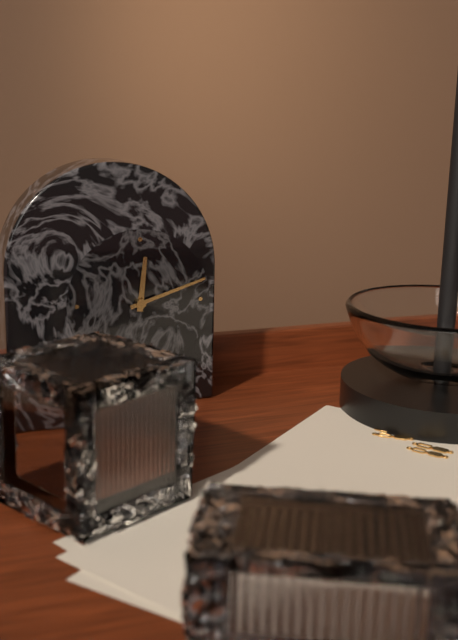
**12:12**
